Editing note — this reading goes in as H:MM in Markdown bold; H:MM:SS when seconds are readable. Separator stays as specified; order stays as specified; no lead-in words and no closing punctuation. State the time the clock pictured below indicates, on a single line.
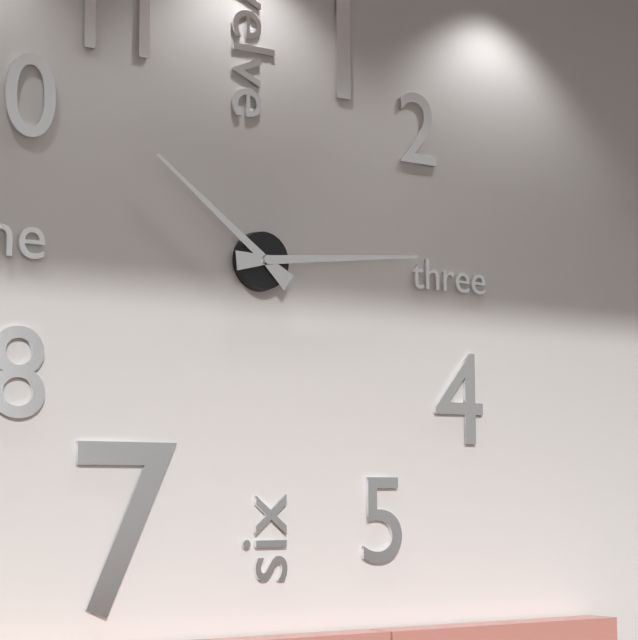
**10:14**
